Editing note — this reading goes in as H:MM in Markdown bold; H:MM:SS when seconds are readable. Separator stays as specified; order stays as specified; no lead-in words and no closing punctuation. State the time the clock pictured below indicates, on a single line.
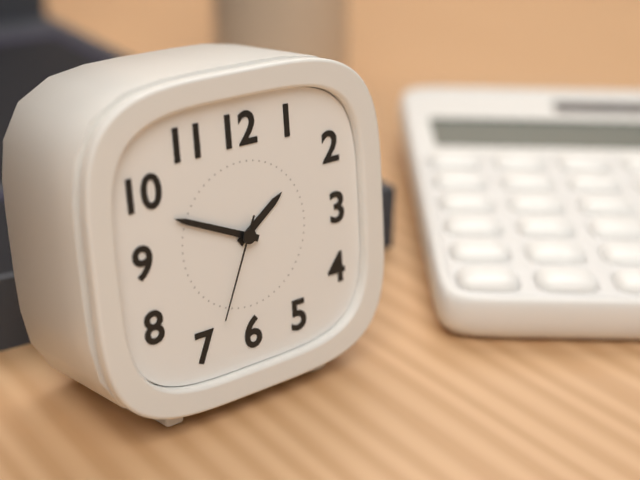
**1:49:34**
